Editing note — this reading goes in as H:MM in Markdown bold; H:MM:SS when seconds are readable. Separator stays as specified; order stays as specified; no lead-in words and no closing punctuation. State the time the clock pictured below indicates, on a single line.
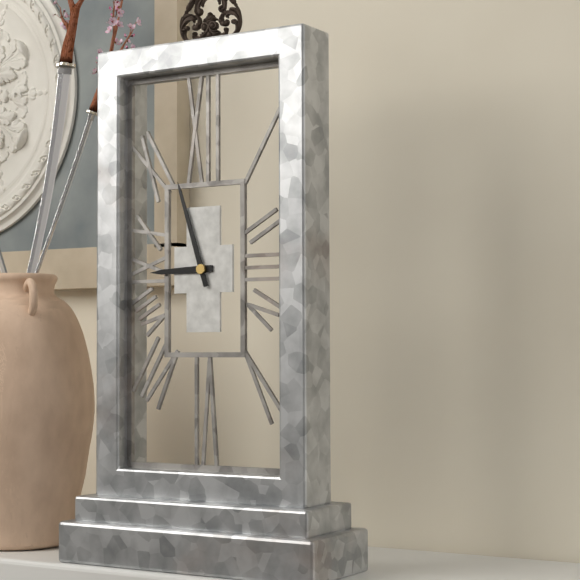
**8:57**
